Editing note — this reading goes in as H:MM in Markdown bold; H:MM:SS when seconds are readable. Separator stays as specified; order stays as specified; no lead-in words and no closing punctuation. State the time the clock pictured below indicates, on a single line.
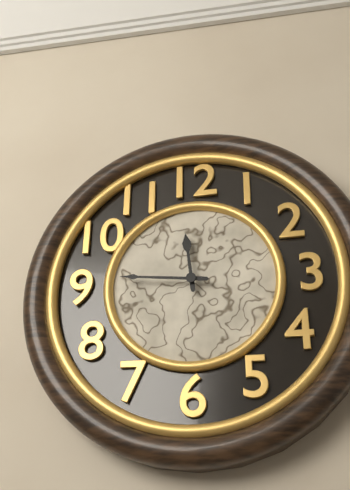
**11:46**
